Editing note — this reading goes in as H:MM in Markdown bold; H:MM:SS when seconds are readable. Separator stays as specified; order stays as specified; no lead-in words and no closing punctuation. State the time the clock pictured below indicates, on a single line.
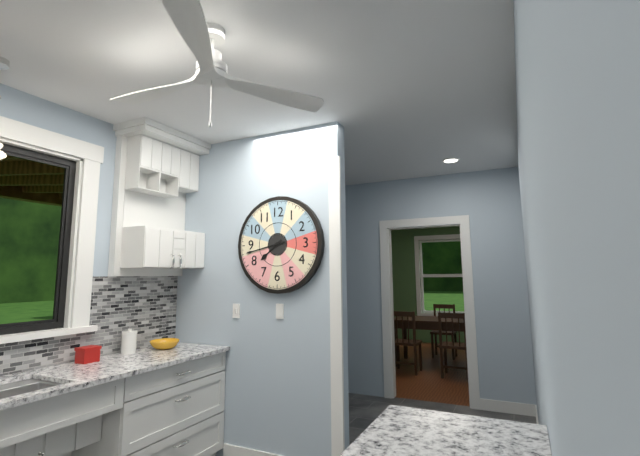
**7:43**
